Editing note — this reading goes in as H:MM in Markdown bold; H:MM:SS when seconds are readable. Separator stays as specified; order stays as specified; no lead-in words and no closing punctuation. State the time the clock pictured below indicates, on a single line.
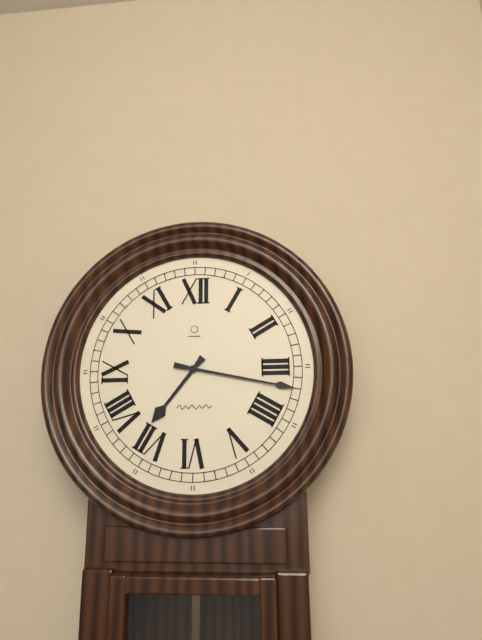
**7:17**
